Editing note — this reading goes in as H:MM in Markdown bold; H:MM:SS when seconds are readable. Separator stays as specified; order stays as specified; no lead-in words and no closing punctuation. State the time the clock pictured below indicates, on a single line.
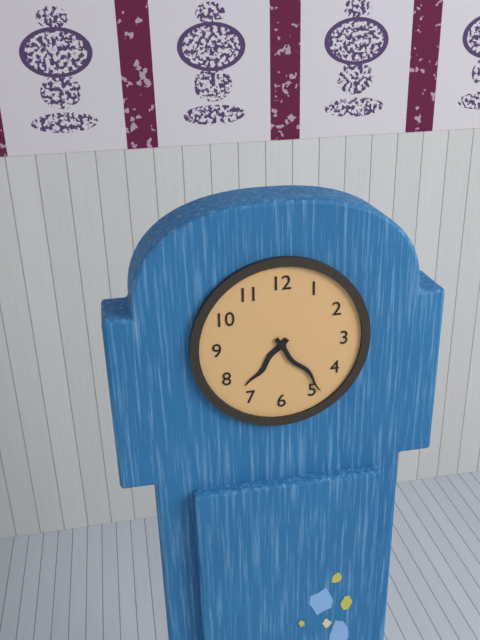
**7:24**
